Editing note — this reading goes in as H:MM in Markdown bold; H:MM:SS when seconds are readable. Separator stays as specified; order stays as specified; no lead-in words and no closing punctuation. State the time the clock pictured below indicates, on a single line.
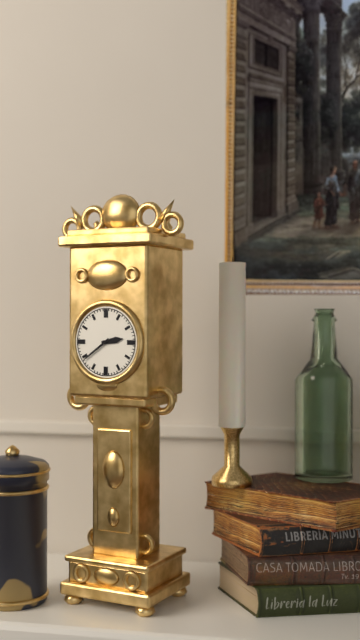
**2:39**
